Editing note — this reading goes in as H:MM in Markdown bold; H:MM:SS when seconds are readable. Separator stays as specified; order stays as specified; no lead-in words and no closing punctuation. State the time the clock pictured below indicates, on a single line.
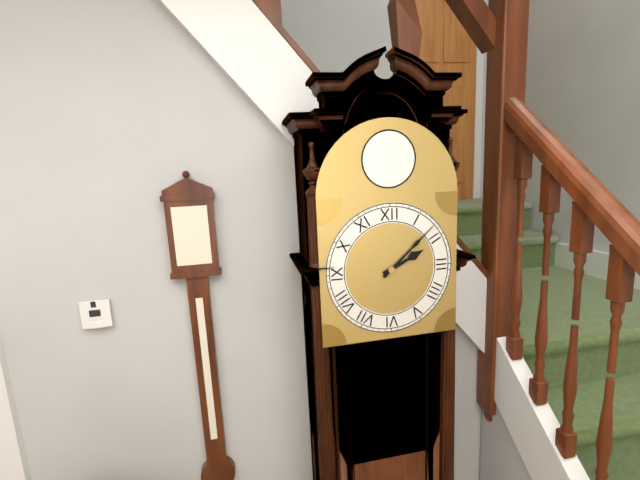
**2:08**
